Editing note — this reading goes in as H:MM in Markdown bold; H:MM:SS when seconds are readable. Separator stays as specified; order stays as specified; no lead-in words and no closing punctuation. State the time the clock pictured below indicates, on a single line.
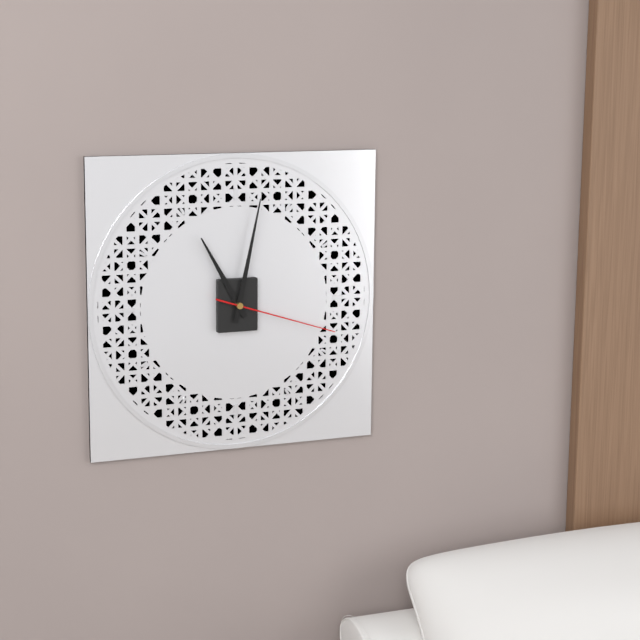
**11:02:18**
